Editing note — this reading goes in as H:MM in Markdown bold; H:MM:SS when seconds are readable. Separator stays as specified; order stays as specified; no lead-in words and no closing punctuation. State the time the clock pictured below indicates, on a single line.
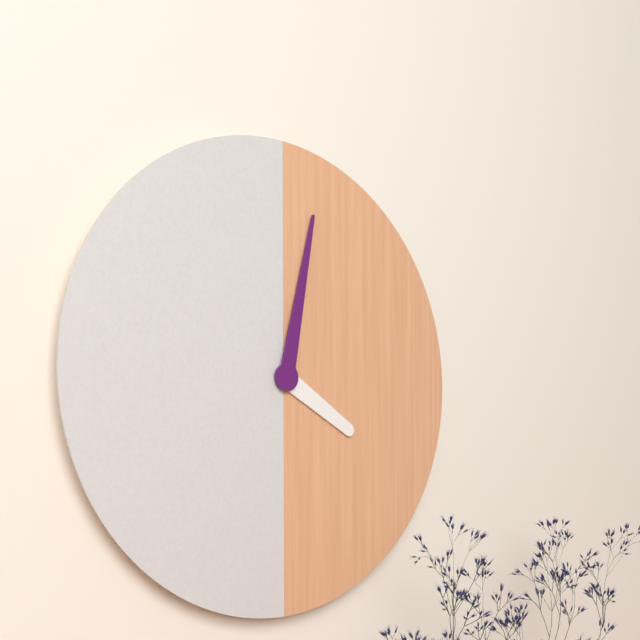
**4:02**
